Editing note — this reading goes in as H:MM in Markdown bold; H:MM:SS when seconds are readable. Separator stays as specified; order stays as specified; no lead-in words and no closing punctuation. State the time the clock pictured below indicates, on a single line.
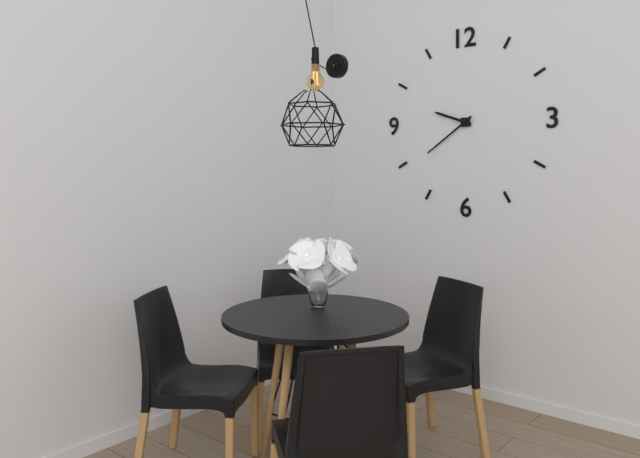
**9:39**
